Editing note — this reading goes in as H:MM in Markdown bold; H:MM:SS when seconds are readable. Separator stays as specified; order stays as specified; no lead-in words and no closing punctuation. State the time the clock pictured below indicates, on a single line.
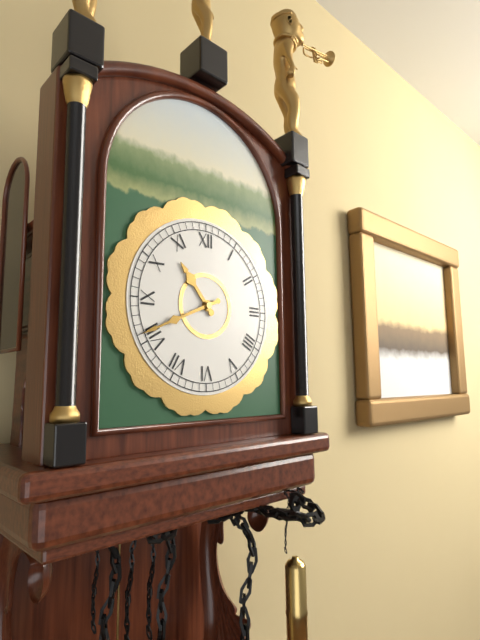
**10:41**
